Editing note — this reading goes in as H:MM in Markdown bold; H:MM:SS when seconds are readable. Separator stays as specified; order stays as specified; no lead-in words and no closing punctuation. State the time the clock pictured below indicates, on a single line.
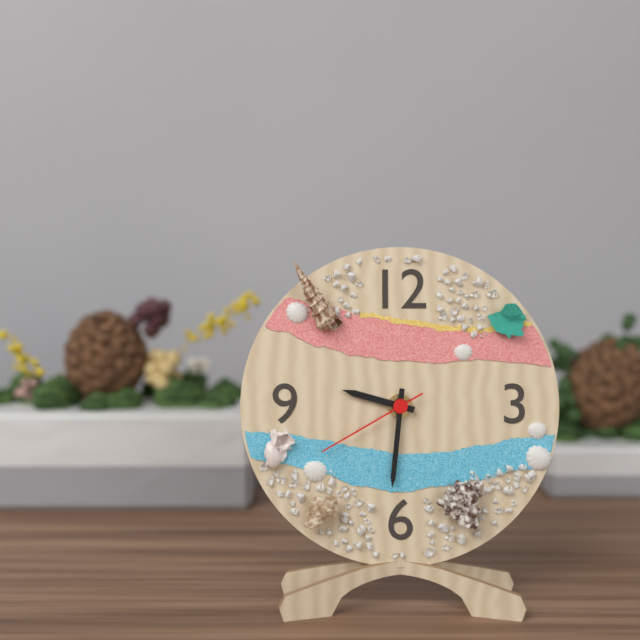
**9:31:40**
